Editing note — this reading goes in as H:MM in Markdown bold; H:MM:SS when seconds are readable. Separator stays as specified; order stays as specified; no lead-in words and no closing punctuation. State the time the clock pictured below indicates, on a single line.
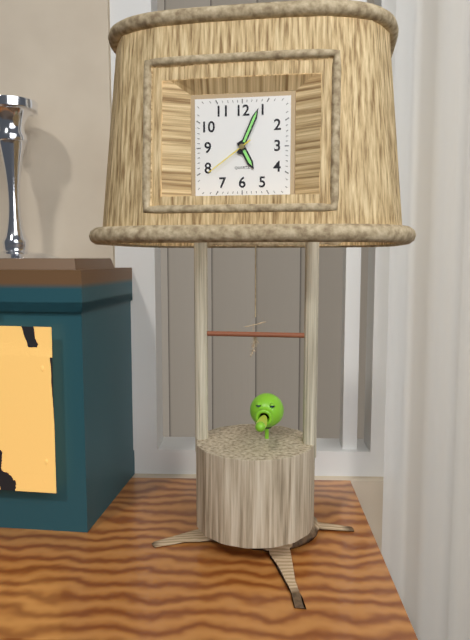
**5:04:39**
